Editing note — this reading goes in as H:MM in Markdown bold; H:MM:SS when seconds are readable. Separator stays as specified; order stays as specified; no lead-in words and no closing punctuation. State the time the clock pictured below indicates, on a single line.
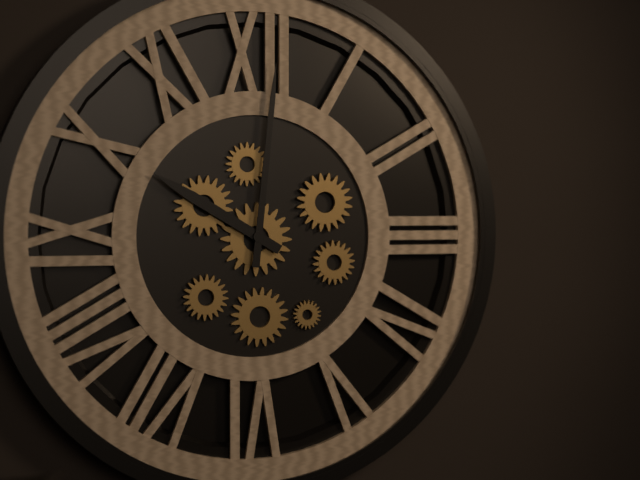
**10:01**
